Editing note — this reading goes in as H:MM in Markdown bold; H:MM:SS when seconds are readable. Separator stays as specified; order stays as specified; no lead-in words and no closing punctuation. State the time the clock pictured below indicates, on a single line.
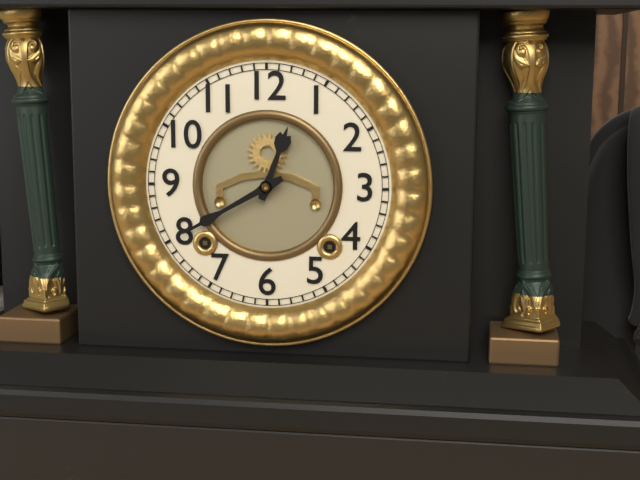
**12:40**
